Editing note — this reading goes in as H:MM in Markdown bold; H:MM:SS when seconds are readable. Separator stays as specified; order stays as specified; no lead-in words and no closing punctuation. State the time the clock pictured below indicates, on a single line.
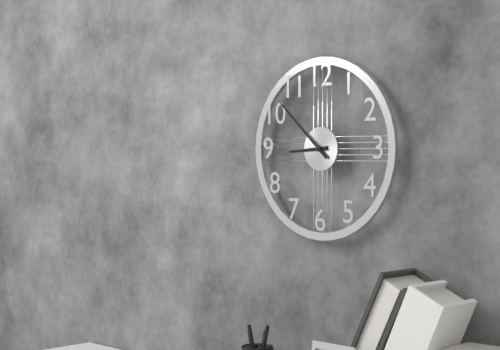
**8:52**
